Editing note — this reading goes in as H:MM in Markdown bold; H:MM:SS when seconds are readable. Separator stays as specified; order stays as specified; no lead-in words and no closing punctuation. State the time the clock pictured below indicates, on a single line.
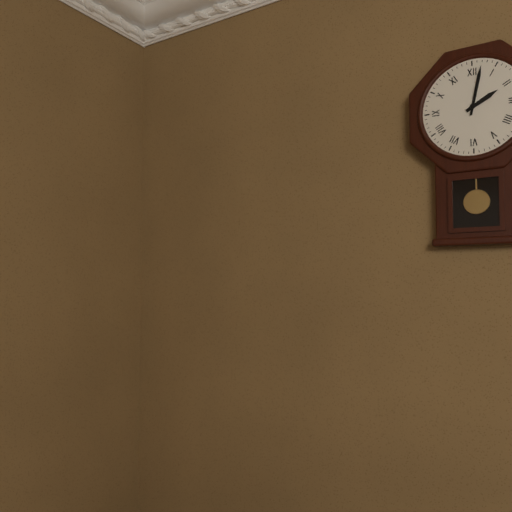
**2:02**
